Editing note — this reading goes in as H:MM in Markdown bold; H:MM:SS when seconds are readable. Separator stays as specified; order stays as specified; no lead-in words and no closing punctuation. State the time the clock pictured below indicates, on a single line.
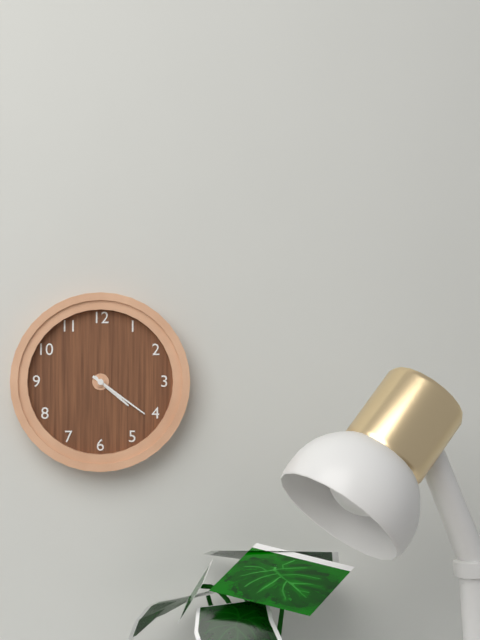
**4:21**
